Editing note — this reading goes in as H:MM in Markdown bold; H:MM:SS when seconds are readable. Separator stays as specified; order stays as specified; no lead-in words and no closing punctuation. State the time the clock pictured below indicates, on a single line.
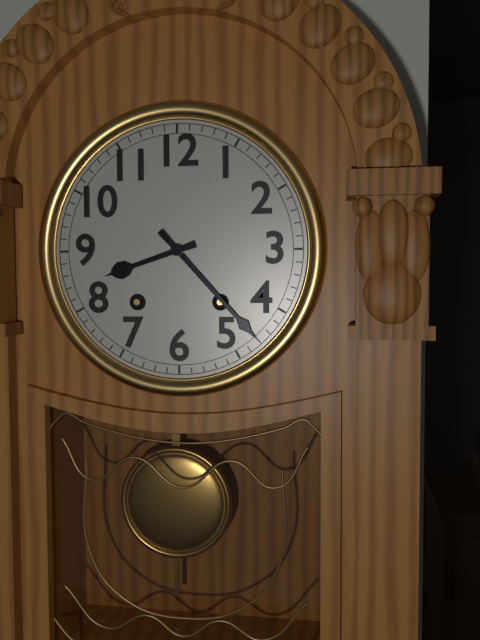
**8:23**
